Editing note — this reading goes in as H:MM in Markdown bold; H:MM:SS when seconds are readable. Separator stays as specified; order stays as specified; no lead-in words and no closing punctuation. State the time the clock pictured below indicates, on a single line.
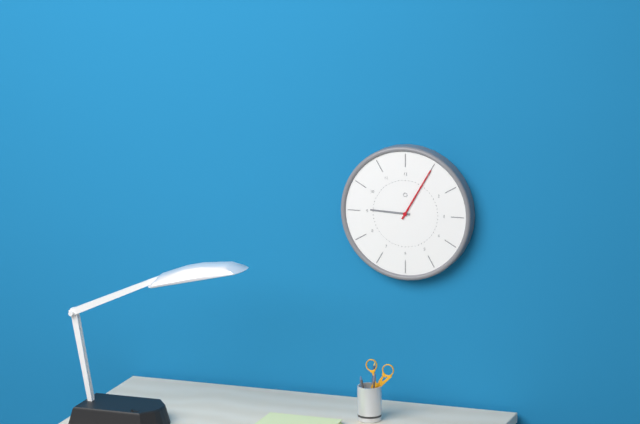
**9:05**
